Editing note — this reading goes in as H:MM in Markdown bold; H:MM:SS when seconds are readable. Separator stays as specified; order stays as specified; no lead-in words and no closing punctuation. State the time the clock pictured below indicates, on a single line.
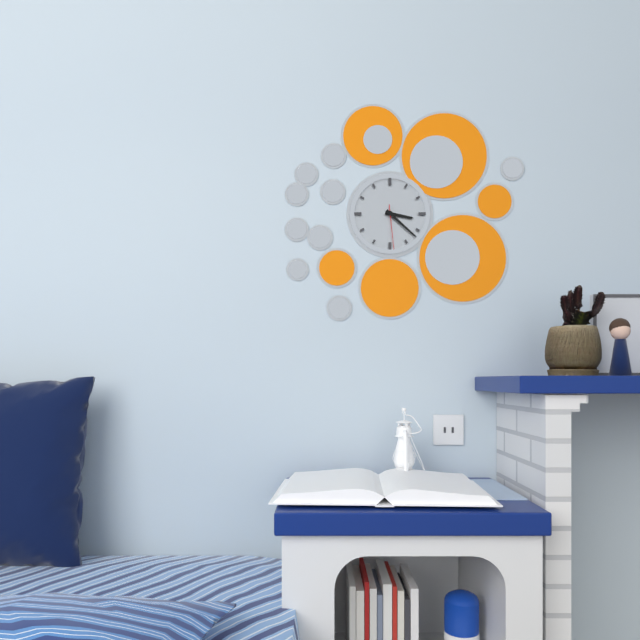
**3:22**
